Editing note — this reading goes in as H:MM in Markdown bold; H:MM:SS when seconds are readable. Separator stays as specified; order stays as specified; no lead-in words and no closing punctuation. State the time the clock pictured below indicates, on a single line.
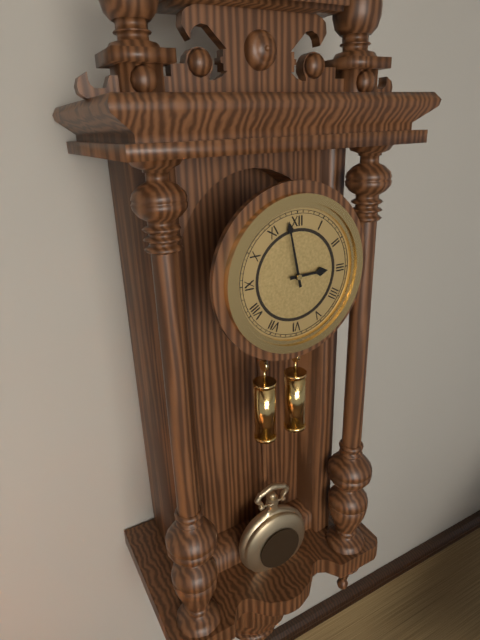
**2:58**
